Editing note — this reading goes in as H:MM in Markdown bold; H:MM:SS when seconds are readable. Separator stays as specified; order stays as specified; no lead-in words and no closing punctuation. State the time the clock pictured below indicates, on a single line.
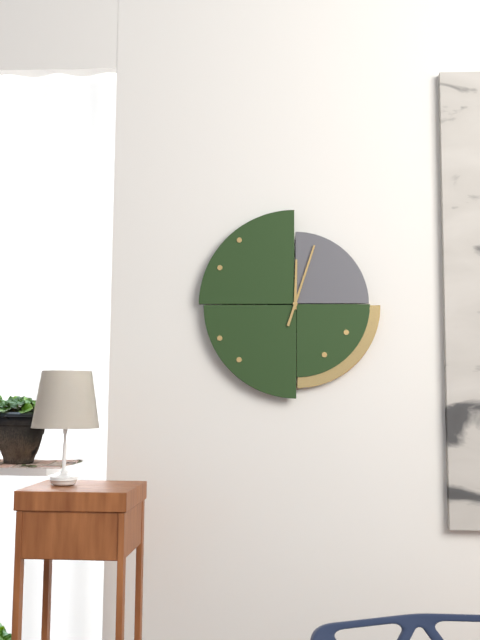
**12:03**
